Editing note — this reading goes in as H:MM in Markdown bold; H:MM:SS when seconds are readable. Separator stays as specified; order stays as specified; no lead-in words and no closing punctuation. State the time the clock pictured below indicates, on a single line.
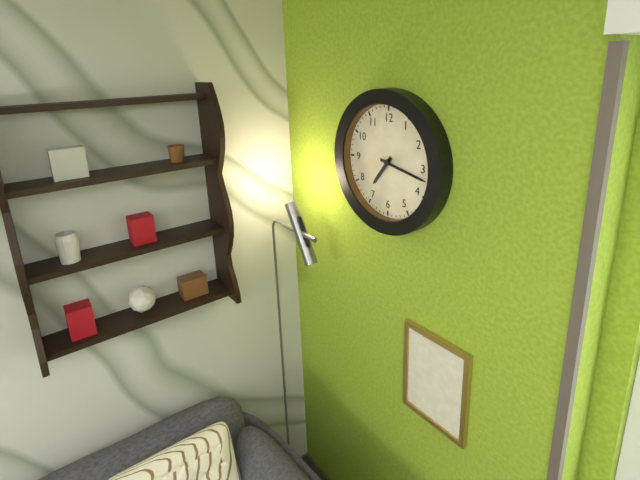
**7:17**
